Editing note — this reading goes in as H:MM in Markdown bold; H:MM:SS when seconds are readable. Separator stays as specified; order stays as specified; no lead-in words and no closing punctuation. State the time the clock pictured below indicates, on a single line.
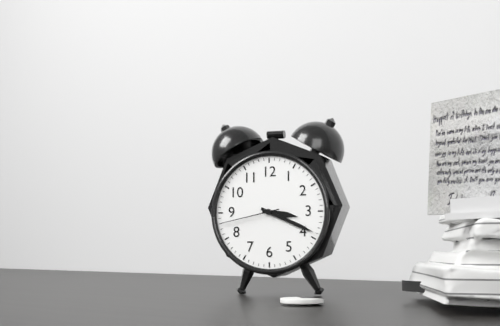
**3:19:43**
